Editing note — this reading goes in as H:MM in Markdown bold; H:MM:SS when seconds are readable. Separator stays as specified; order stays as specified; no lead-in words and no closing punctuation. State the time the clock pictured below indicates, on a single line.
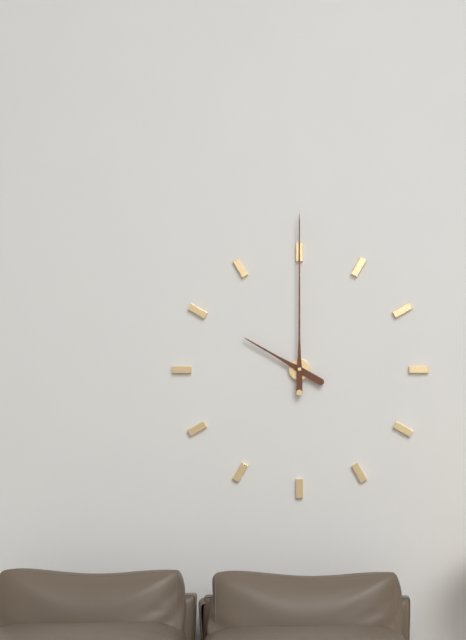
**10:00**
